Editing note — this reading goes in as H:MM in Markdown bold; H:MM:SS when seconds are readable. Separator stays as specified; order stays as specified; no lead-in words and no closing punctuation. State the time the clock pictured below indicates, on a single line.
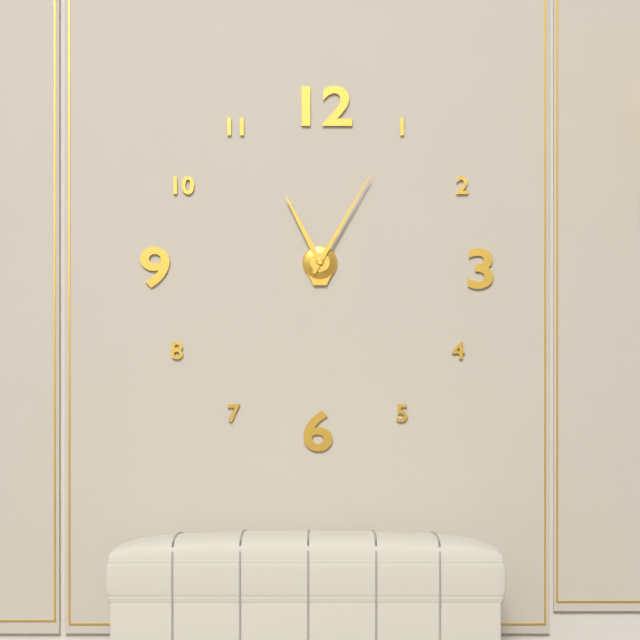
**11:05**
